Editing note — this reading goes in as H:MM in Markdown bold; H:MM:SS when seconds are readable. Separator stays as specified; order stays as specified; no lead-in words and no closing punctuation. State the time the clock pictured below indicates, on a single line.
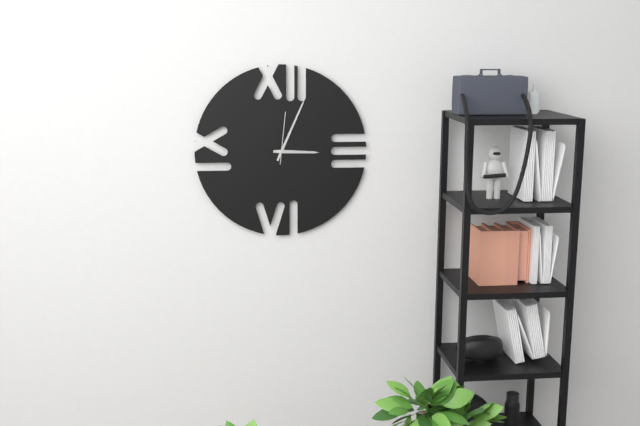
**3:04:01**
